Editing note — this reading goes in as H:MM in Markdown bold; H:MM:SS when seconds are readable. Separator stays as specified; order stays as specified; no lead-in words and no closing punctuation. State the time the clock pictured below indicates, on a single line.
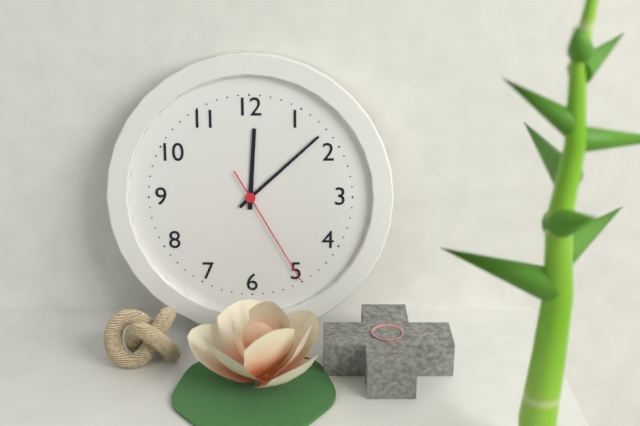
**12:08:25**
